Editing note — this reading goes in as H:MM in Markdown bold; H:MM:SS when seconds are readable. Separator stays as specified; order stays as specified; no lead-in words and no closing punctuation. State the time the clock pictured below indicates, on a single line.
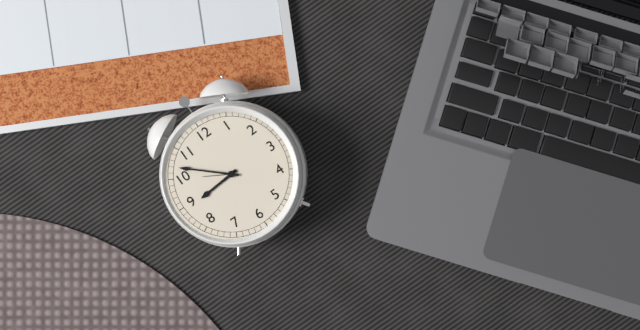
**8:52**
